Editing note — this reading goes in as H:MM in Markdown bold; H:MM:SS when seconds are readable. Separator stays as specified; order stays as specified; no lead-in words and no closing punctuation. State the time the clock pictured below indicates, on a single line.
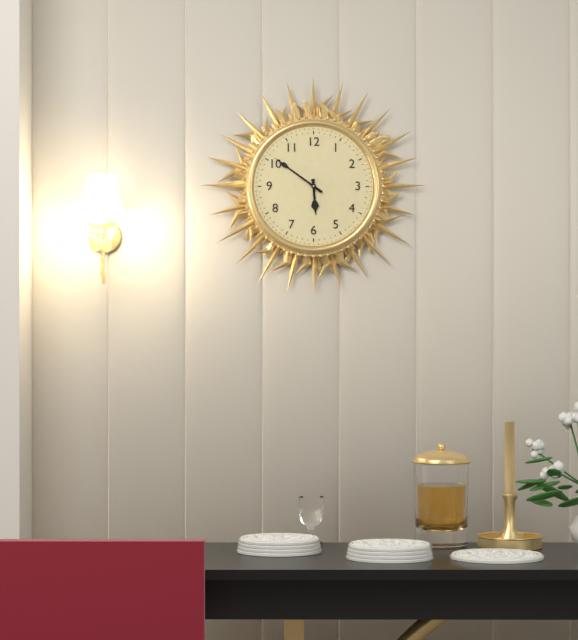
**5:51**
